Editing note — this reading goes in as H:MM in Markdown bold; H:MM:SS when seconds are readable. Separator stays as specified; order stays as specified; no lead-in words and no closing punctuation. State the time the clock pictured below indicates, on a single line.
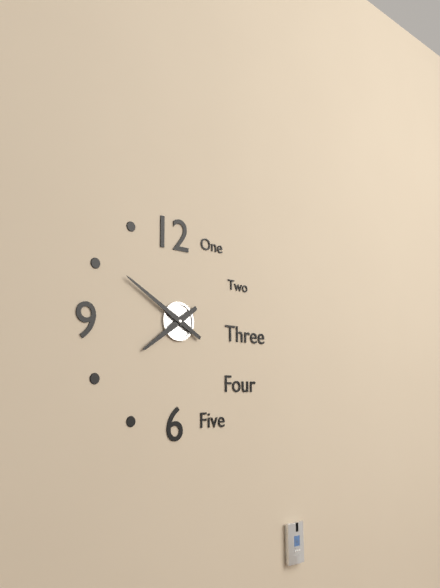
**7:50**
